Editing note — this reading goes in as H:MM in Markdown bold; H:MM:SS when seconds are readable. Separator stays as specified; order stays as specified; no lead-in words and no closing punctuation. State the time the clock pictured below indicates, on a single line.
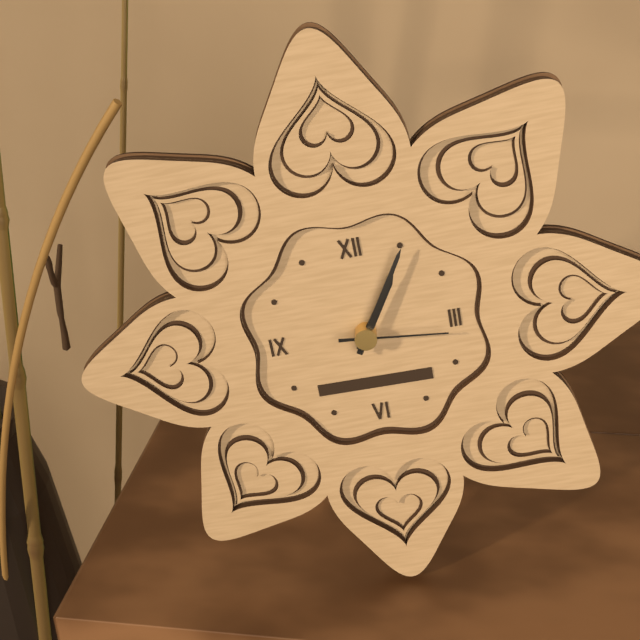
**1:05:16**
